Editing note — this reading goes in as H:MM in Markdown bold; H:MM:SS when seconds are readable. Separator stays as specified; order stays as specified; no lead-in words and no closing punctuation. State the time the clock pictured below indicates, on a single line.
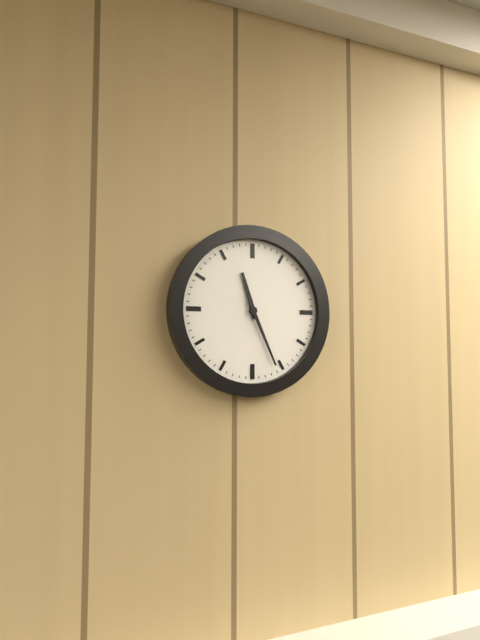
**11:26**
